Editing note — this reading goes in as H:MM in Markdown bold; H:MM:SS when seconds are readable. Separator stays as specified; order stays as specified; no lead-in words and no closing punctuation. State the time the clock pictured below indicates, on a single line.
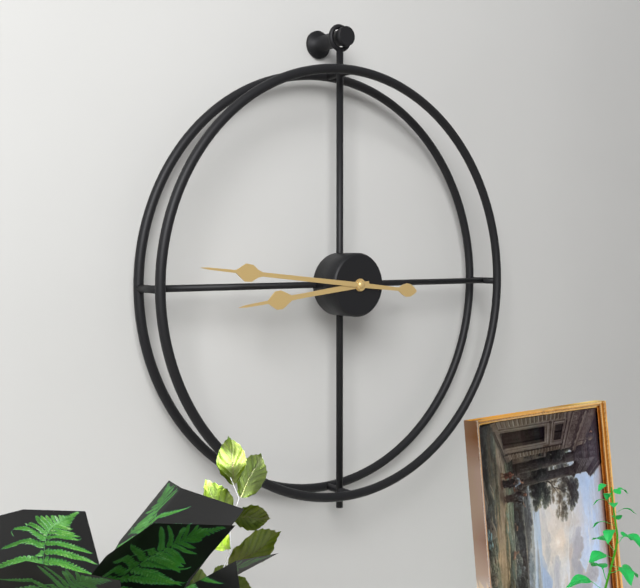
**8:46**
